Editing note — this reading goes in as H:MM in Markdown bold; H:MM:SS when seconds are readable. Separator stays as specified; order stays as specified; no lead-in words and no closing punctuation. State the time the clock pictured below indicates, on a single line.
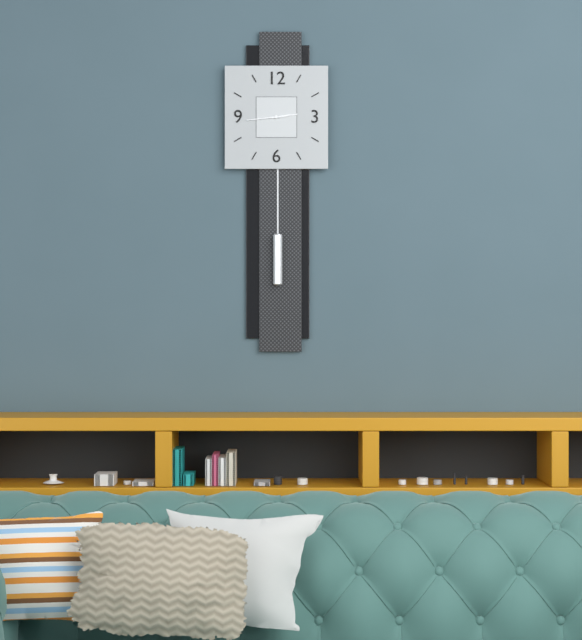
**2:44**
